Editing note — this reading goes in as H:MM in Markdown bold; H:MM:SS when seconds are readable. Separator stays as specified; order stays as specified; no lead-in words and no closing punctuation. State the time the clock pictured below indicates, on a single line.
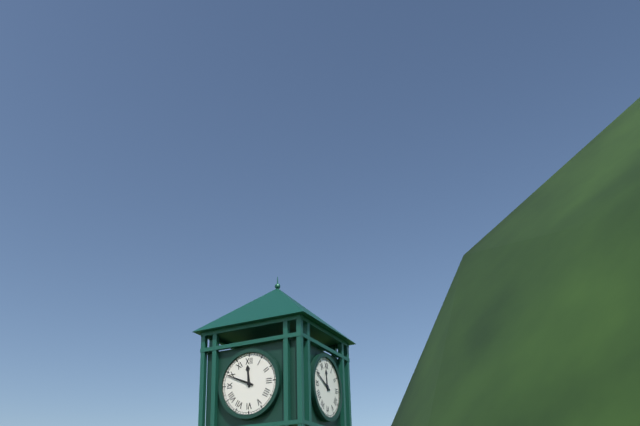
**11:49**
